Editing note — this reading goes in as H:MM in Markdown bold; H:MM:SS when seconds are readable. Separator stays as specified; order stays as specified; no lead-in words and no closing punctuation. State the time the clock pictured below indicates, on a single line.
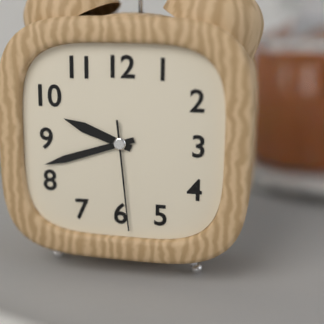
**9:42:29**
